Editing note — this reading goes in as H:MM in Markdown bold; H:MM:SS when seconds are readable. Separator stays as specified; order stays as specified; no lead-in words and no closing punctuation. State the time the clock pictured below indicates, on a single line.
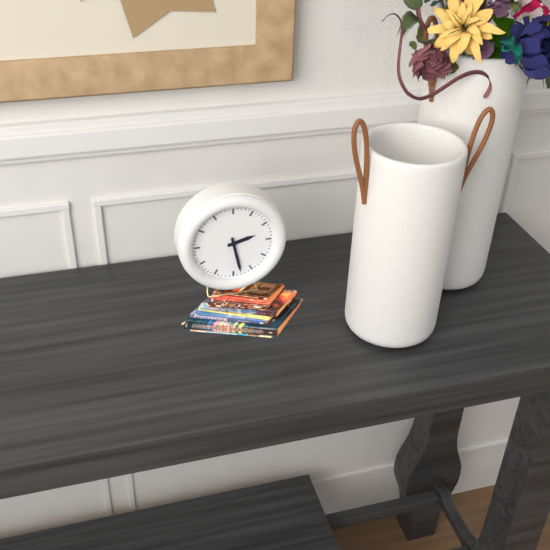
**2:28**
